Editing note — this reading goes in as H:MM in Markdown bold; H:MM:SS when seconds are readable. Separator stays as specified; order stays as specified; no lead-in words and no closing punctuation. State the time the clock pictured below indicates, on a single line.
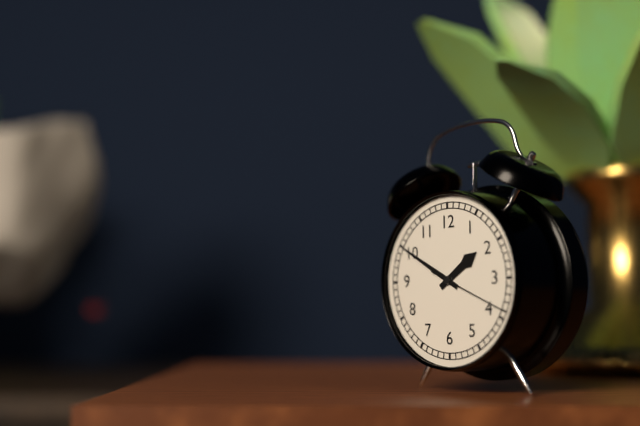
**1:50:19**
